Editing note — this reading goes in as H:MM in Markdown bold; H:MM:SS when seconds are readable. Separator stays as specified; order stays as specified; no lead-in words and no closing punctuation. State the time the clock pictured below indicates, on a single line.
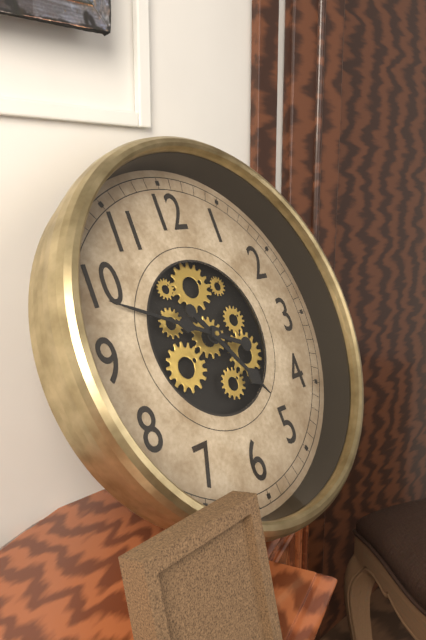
**4:49**
